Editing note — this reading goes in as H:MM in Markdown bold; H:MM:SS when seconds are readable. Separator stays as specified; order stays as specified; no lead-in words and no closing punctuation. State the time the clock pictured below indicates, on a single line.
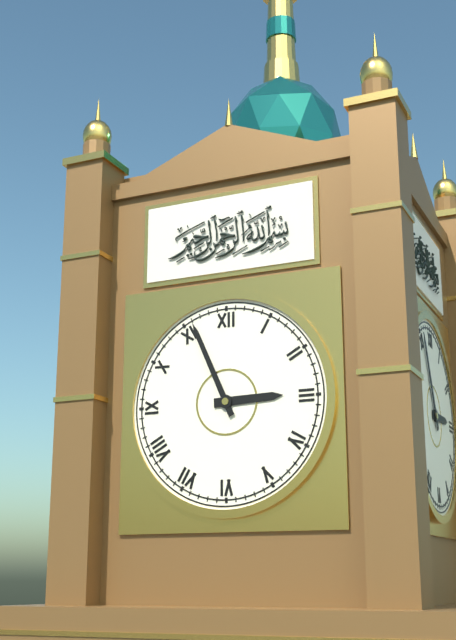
**2:56**
